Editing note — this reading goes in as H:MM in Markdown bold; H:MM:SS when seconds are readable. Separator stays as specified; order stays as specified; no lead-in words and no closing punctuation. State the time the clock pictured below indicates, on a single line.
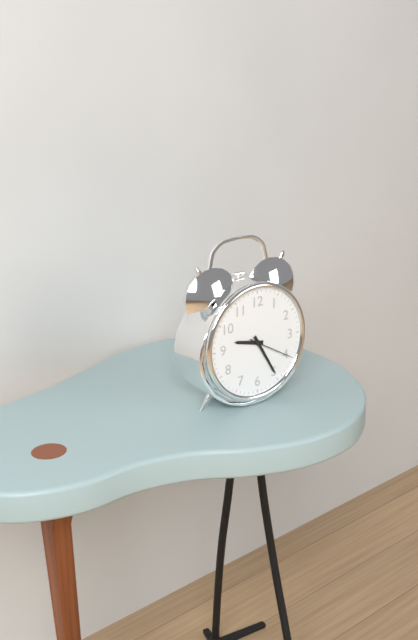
**9:25**
